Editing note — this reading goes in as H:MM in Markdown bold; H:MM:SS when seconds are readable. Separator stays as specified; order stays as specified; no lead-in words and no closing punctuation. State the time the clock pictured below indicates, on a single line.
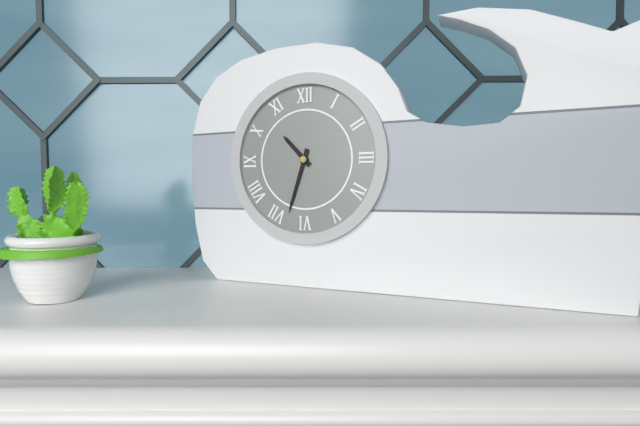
**10:33**
